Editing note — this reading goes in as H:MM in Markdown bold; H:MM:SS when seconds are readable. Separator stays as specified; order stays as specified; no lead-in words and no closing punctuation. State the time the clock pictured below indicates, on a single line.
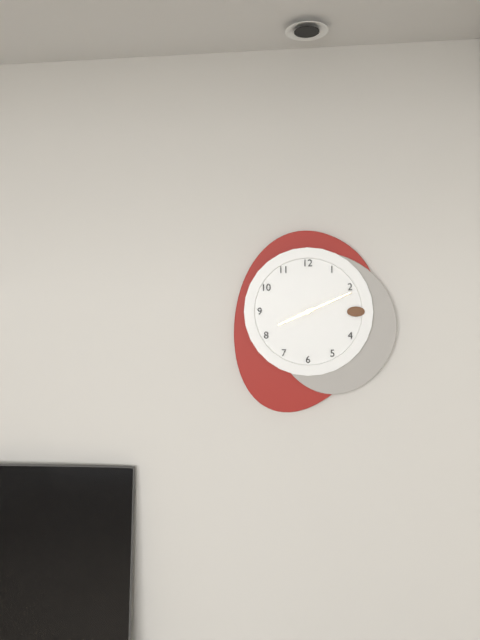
**8:11**
